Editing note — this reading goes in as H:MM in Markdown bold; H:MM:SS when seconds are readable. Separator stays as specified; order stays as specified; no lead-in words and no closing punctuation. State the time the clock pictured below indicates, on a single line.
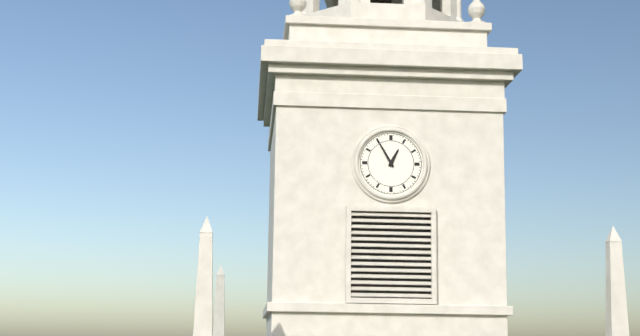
**12:55**
